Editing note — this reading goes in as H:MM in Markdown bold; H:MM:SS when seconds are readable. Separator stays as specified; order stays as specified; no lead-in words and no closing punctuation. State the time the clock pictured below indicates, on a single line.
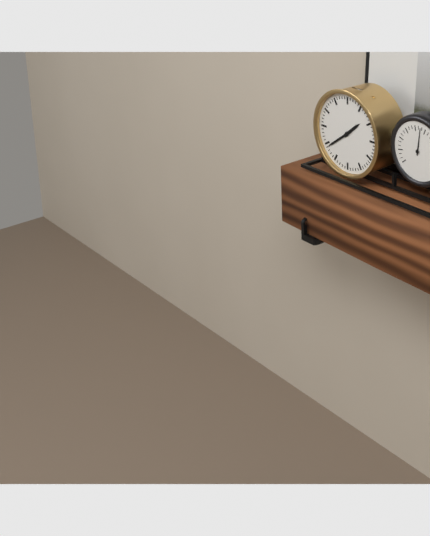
**1:39**
